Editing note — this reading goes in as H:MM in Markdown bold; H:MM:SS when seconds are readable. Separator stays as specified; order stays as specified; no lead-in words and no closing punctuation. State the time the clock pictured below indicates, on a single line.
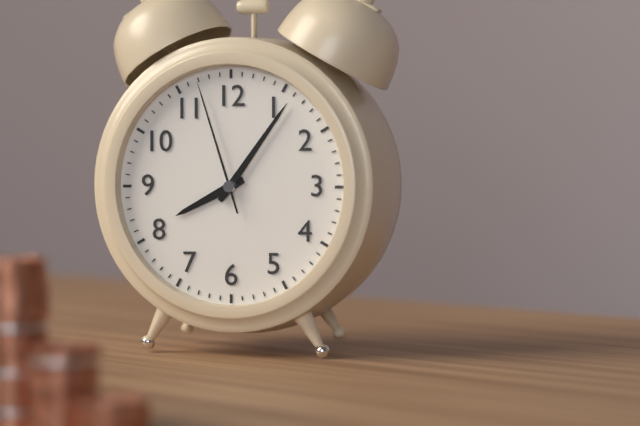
**8:06:57**
